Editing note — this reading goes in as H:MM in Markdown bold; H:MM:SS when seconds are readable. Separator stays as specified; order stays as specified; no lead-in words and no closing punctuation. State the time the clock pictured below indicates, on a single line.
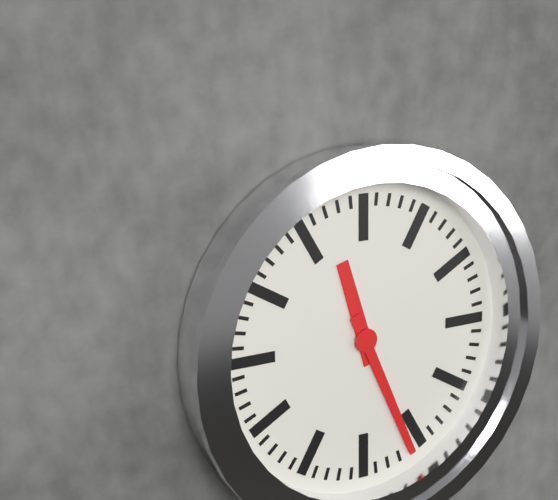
**11:26**
